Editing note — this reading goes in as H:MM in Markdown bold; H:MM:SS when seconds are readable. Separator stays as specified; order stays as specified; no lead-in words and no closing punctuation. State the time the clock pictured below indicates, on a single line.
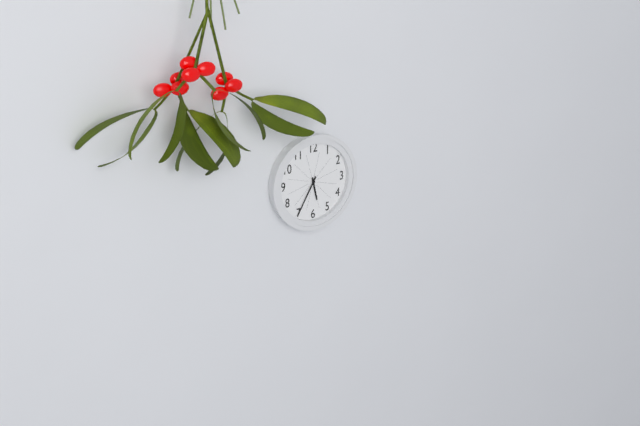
**5:35**
